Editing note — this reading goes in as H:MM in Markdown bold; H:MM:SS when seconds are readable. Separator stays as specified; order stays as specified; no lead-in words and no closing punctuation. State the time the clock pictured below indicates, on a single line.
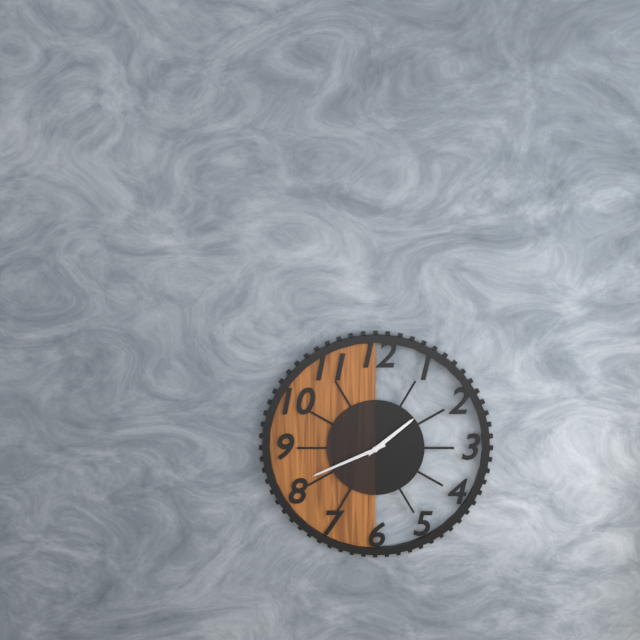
**1:41**
